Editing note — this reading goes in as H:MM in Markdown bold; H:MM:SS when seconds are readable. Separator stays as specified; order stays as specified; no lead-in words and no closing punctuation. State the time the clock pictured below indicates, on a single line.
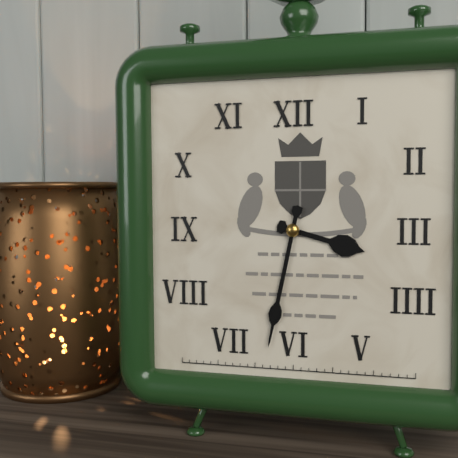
**3:32**
